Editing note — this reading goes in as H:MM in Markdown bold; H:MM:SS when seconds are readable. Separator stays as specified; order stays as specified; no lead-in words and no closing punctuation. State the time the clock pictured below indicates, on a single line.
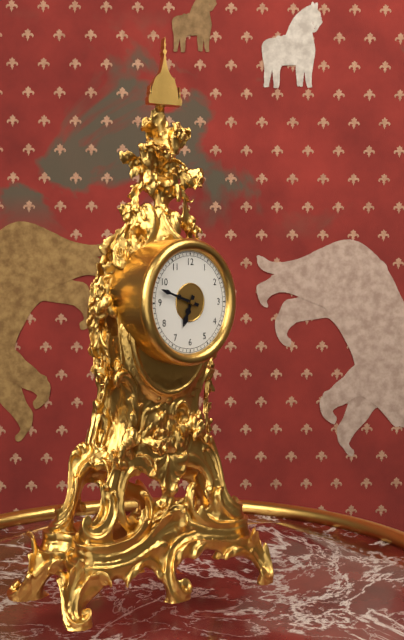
**6:48**
